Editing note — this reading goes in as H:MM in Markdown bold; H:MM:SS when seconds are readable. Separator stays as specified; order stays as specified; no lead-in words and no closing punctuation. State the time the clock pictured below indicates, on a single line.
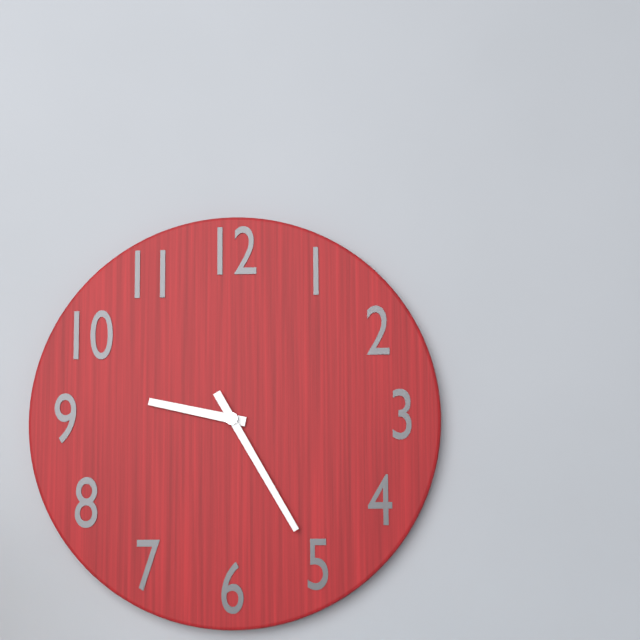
**9:25**
